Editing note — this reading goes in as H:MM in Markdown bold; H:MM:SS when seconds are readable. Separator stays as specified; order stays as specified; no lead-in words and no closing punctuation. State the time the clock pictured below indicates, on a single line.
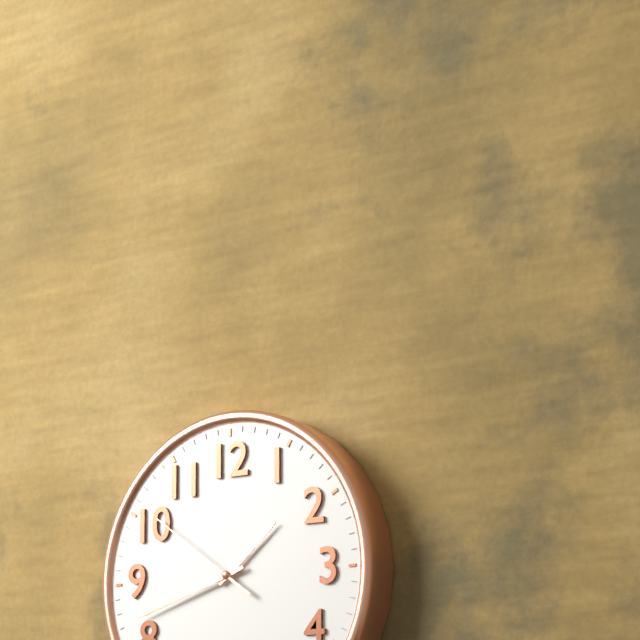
**1:42:51**
